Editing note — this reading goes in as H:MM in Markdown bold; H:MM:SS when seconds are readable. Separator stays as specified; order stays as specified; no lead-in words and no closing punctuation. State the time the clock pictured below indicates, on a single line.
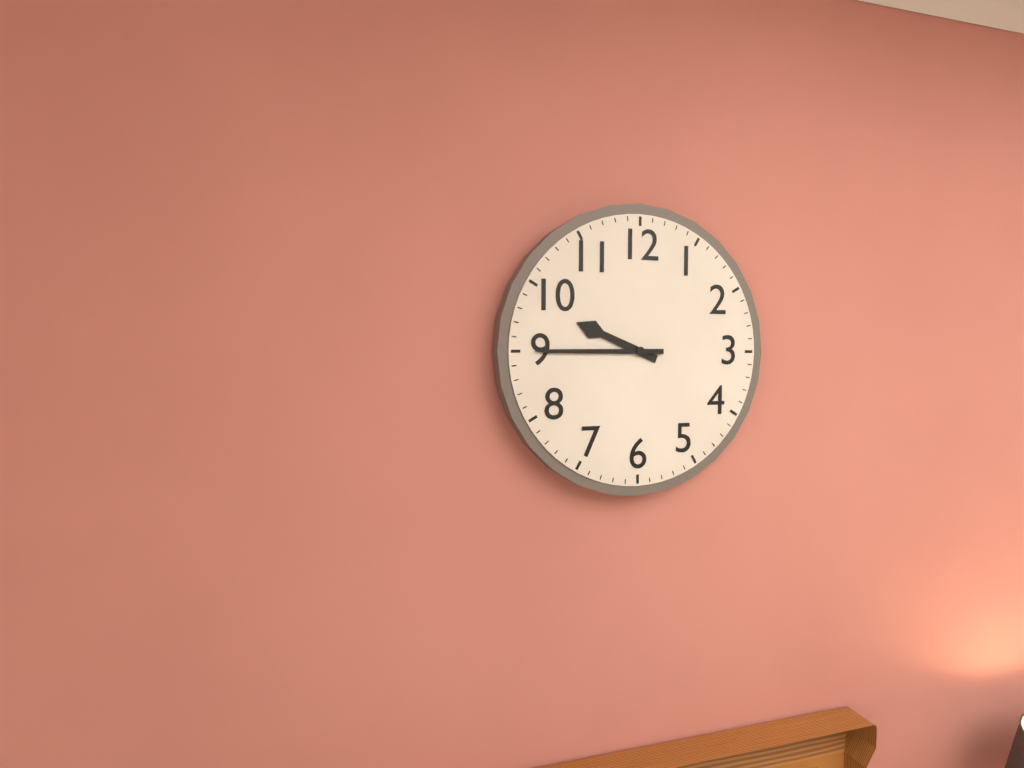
**9:45**
